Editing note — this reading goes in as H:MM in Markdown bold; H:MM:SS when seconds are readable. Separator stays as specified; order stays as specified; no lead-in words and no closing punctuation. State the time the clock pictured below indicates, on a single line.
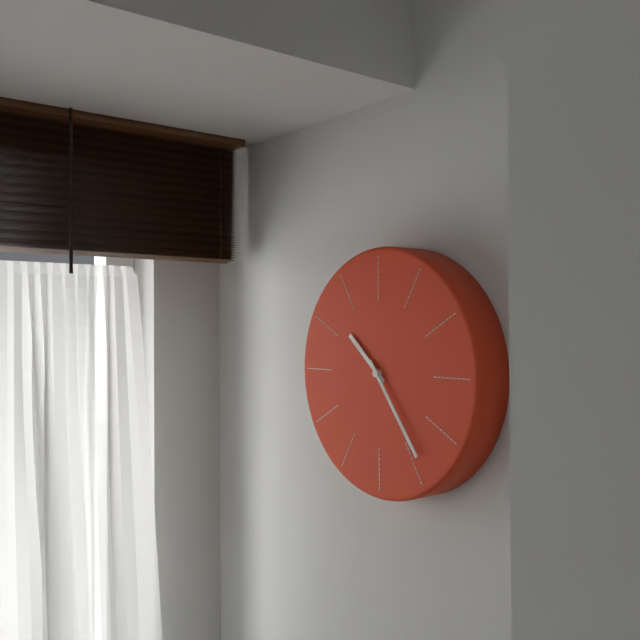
**10:24**
